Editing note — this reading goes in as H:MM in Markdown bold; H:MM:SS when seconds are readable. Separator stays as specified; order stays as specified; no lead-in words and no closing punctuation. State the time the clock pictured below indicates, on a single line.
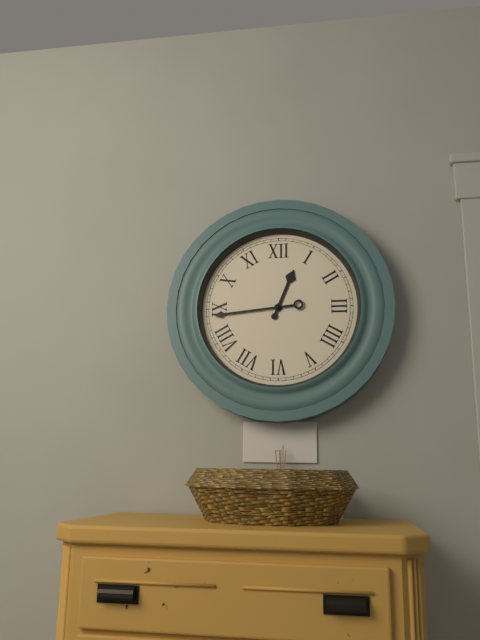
**12:44**
